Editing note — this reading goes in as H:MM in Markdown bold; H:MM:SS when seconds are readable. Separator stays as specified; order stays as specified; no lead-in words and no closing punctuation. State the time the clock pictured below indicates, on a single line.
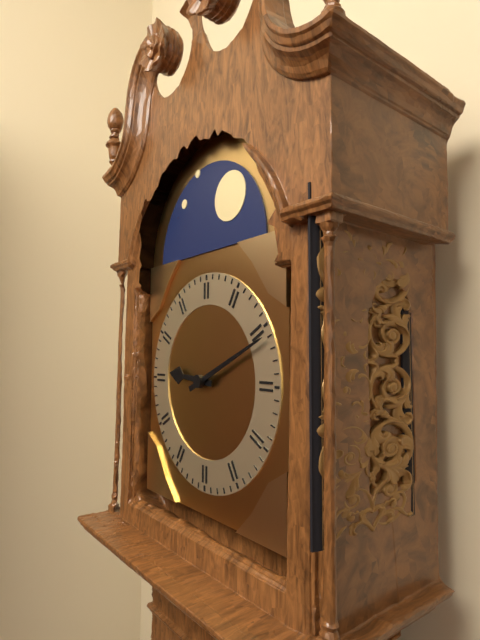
**9:11**
